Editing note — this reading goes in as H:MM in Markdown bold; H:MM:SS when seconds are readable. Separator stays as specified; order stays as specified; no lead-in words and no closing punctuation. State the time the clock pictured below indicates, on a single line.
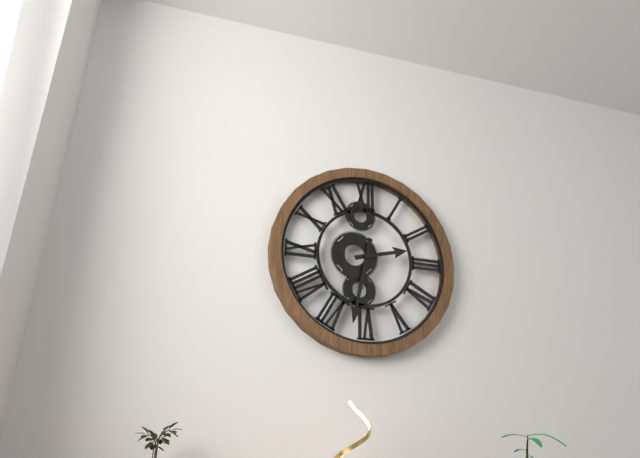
**2:32**
